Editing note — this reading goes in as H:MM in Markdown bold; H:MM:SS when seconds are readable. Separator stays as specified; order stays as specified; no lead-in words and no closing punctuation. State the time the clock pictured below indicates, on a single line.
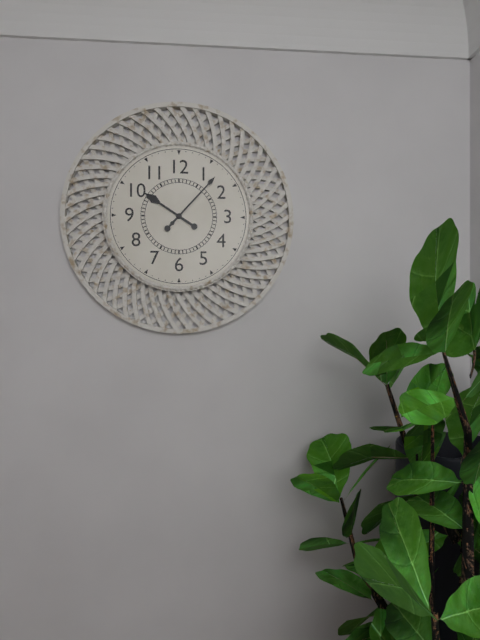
**10:07**
